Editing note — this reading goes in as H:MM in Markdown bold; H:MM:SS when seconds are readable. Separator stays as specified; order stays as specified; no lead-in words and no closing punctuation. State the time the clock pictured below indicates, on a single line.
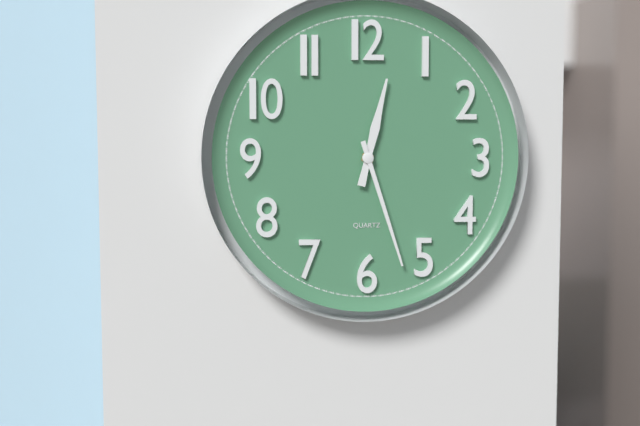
**12:27**
